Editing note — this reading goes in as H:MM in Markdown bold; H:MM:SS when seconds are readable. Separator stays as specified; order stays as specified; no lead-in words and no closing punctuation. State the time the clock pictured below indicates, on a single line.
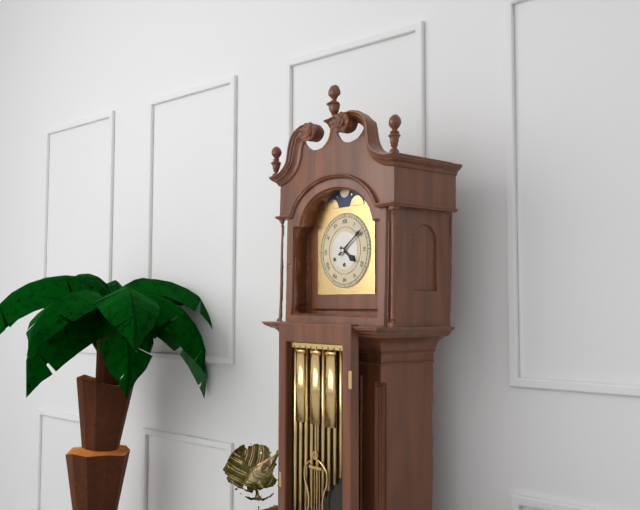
**4:09**
